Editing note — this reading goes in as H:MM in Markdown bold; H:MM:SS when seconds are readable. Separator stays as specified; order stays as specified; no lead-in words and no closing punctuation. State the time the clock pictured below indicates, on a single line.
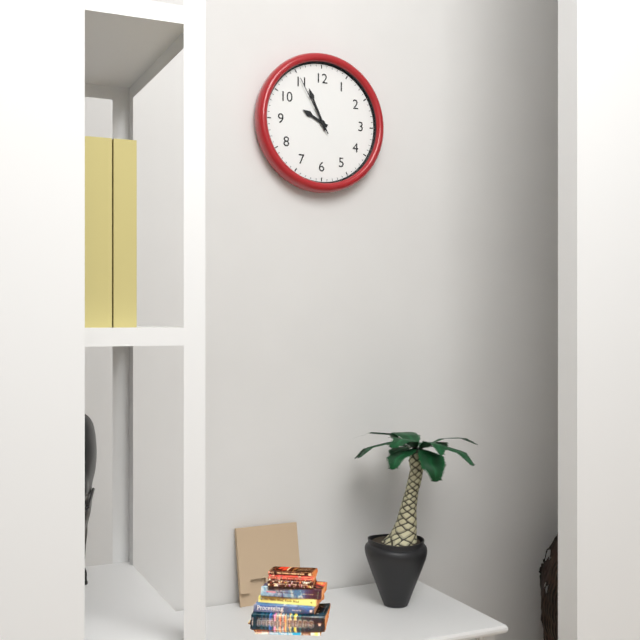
**9:56:55**
